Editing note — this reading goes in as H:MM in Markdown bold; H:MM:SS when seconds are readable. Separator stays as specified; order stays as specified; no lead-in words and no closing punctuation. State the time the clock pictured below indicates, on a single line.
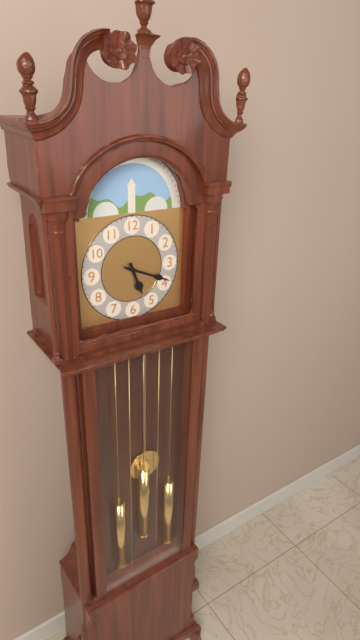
**5:19**
